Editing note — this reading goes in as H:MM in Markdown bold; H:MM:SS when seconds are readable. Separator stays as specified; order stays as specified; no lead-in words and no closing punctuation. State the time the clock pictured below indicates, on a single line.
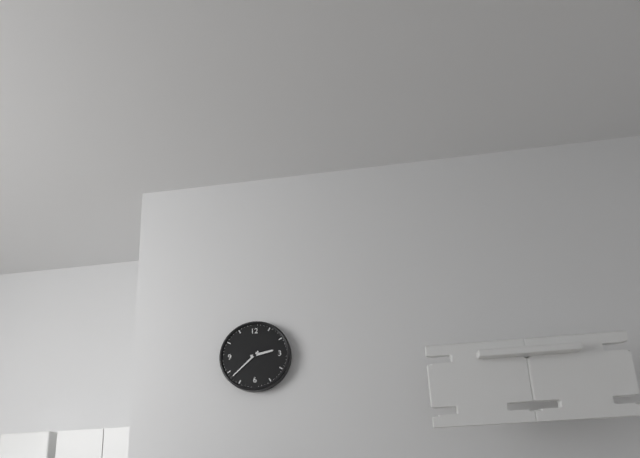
**2:38**
